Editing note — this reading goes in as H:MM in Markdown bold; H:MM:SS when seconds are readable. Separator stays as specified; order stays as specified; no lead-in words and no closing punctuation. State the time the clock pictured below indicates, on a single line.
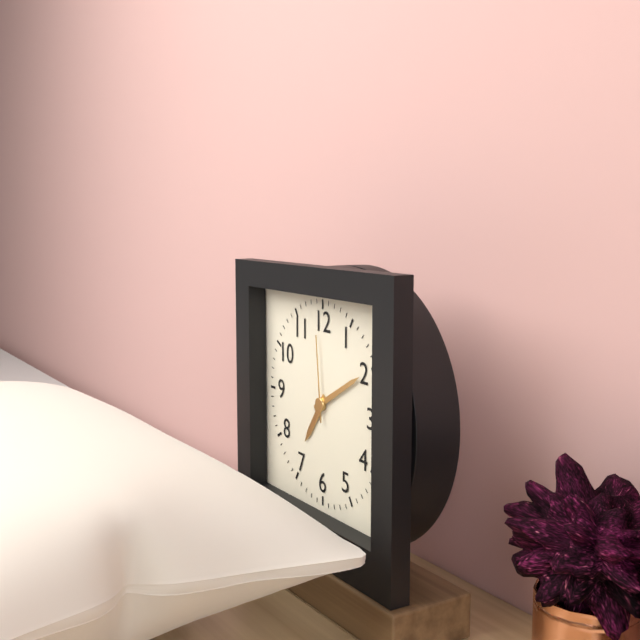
**7:10:59**
